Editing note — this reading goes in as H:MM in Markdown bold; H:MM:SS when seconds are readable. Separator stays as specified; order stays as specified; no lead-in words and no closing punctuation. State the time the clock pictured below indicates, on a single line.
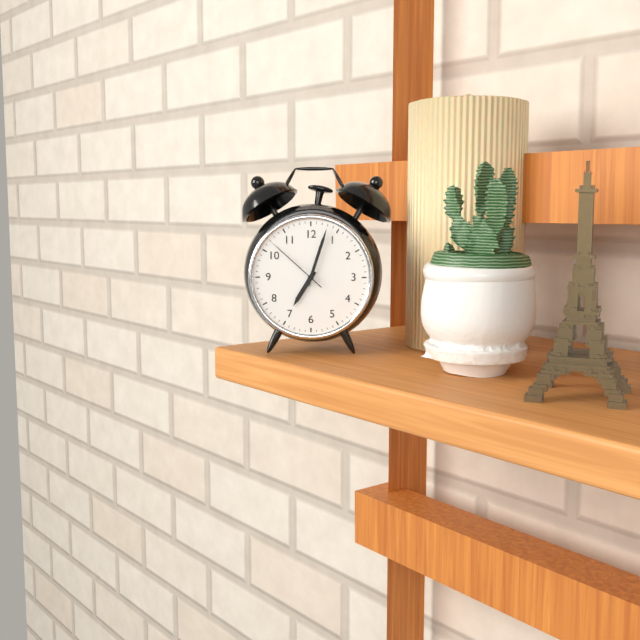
**7:03:52**
